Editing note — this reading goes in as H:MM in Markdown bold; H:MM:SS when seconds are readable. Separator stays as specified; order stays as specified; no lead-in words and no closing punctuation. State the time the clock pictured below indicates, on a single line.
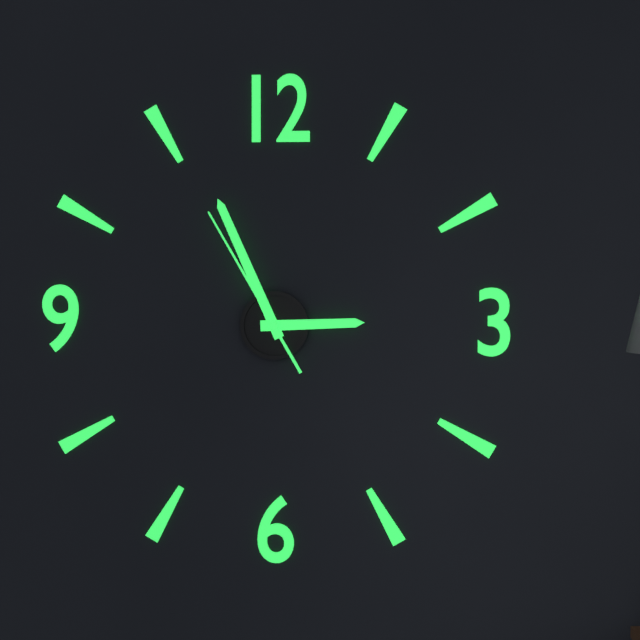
**2:56:55**
